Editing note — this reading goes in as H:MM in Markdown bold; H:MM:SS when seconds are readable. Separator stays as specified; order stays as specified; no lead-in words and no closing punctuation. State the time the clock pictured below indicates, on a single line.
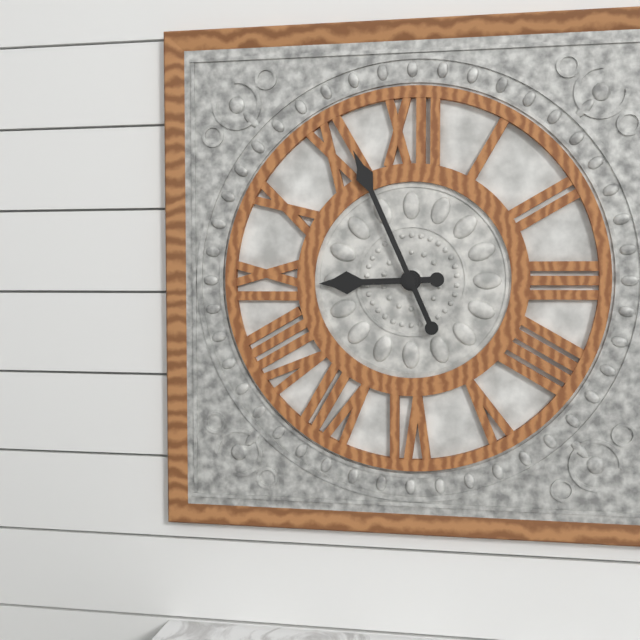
**8:56**
